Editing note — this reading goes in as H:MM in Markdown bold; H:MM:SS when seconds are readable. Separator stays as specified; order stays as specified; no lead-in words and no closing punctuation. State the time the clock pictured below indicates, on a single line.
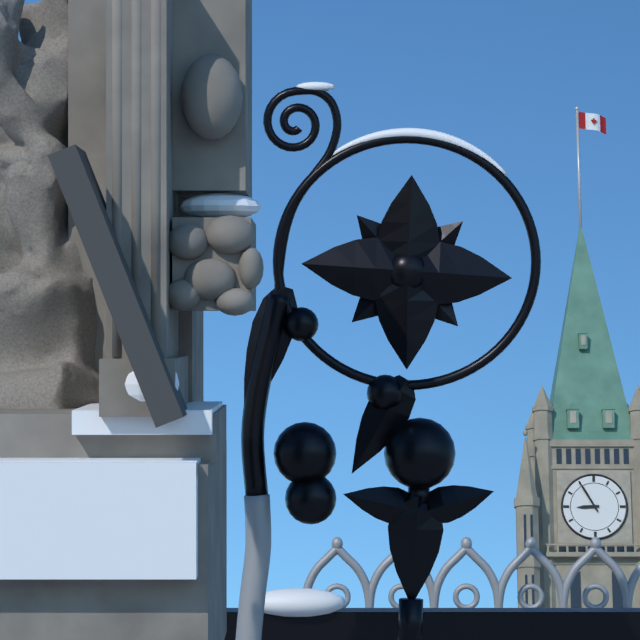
**8:55**
